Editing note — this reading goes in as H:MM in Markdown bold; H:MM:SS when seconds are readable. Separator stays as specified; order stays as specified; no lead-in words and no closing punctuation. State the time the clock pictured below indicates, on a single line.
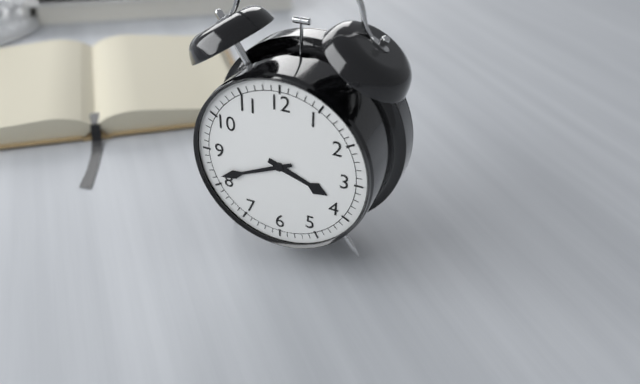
**3:41**
